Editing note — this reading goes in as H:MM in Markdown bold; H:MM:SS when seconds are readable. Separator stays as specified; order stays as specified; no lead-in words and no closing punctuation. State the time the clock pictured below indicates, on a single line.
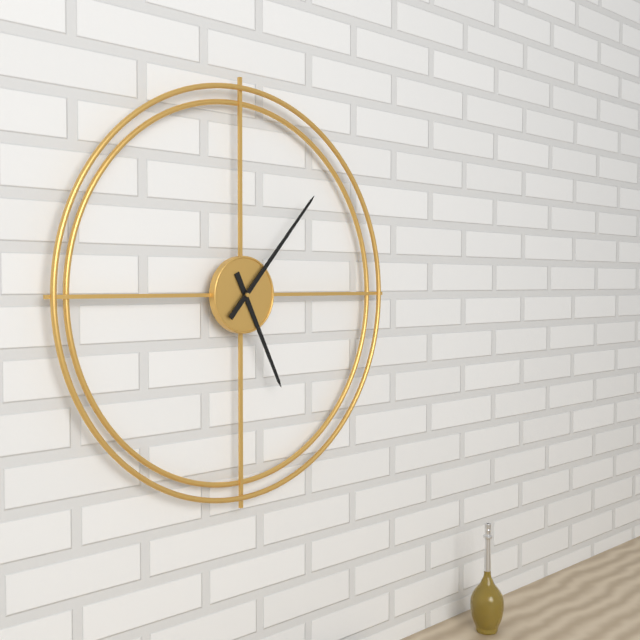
**5:07**
